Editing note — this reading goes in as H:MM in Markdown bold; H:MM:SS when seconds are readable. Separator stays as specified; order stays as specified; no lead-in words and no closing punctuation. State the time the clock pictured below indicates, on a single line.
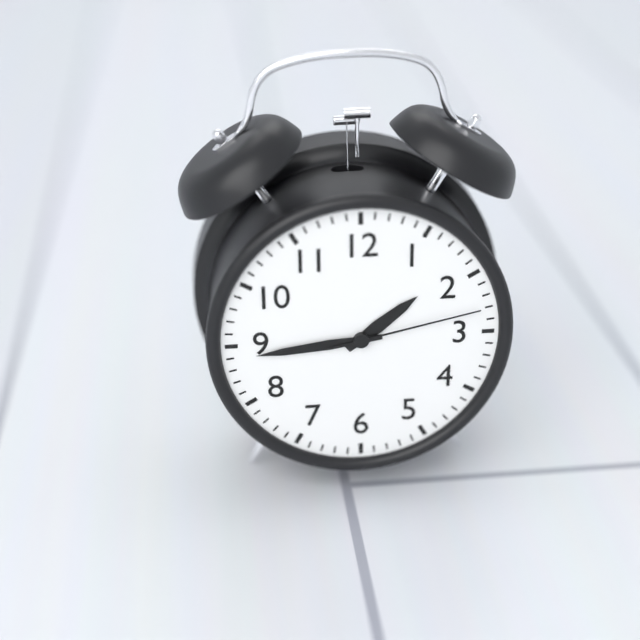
**1:44:13**
